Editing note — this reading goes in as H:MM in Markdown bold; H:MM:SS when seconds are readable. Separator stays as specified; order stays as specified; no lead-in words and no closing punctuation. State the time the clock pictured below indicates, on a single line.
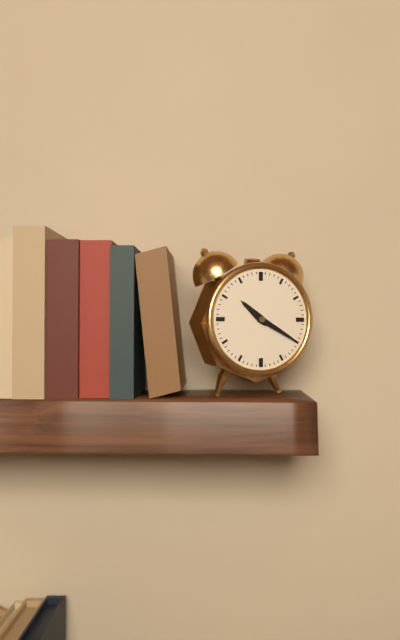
**10:20**
